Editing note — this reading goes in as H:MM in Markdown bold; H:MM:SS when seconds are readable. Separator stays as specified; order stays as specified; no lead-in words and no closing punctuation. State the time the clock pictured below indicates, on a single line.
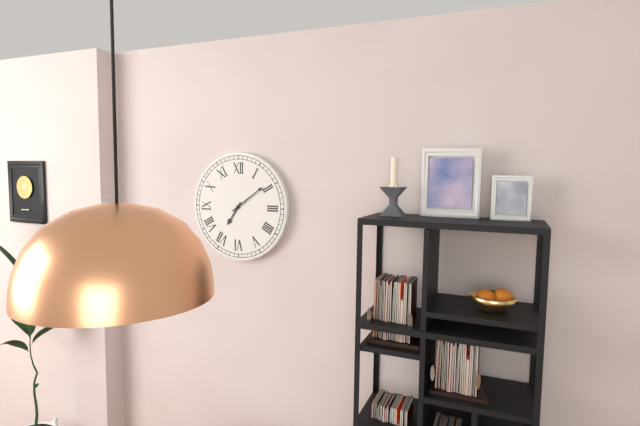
**7:09**
